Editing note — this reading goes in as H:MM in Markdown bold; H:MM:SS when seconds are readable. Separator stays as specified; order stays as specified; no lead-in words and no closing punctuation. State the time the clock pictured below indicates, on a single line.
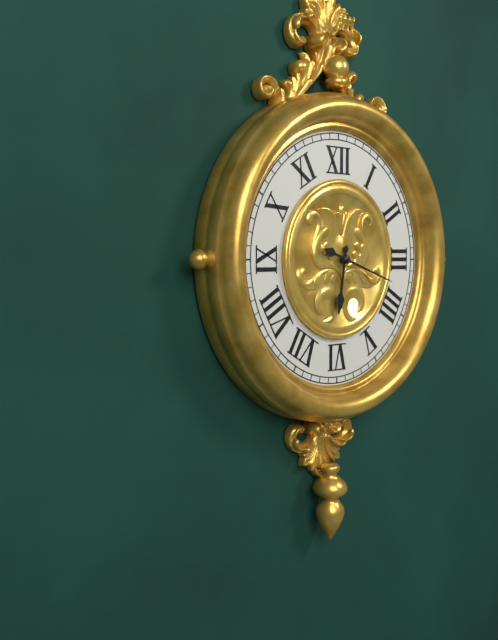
**6:18**
